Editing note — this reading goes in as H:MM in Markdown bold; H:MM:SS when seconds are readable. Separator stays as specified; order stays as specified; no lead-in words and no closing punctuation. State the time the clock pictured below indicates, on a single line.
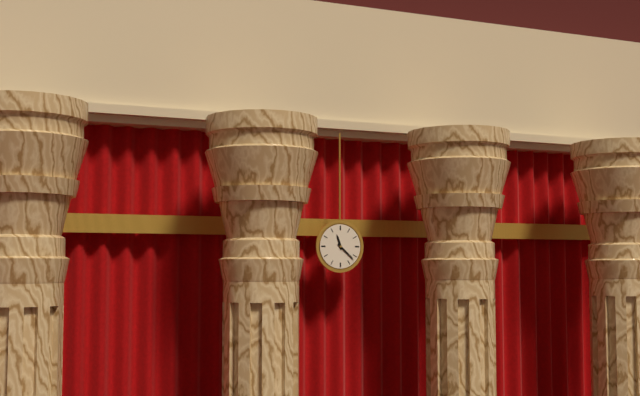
**11:22**
